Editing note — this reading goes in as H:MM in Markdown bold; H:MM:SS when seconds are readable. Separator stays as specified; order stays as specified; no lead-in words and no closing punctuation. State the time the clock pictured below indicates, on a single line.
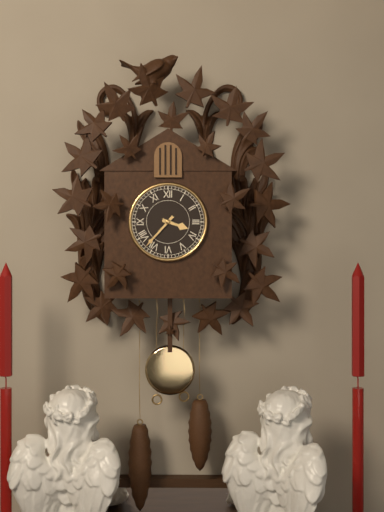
**3:37**
